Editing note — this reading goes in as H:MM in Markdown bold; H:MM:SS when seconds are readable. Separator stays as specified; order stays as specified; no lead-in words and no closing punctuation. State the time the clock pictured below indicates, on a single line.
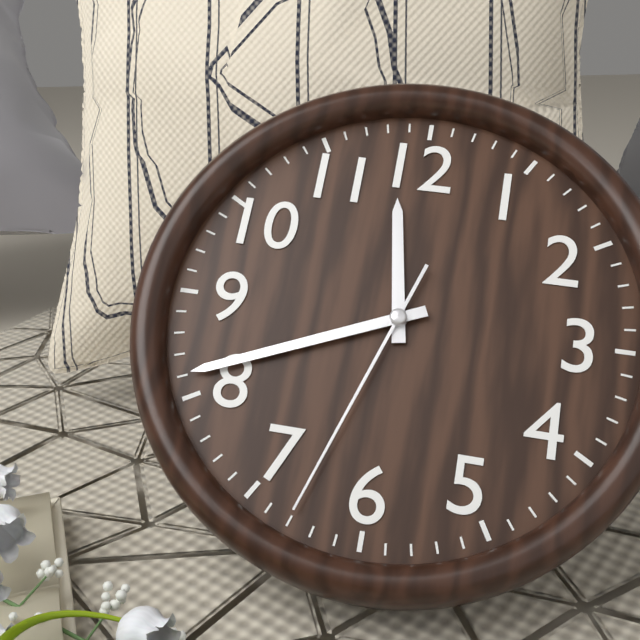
**11:41:33**
